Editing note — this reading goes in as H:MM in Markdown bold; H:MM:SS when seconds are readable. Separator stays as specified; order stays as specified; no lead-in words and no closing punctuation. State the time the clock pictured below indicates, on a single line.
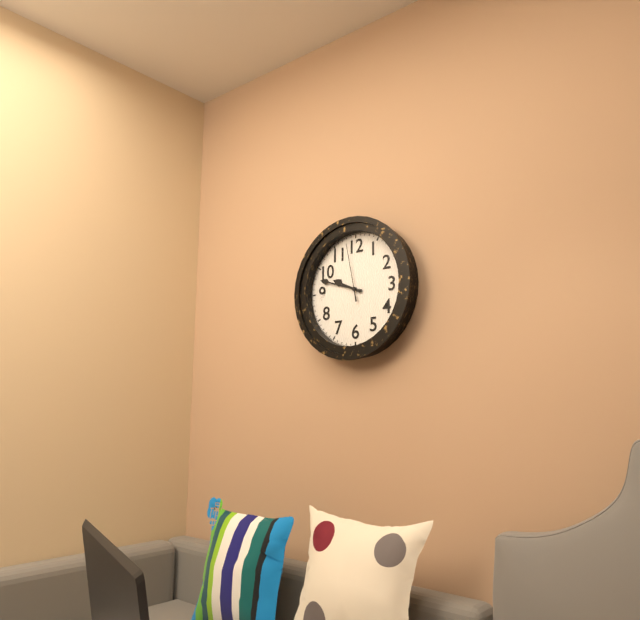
**9:48:58**
